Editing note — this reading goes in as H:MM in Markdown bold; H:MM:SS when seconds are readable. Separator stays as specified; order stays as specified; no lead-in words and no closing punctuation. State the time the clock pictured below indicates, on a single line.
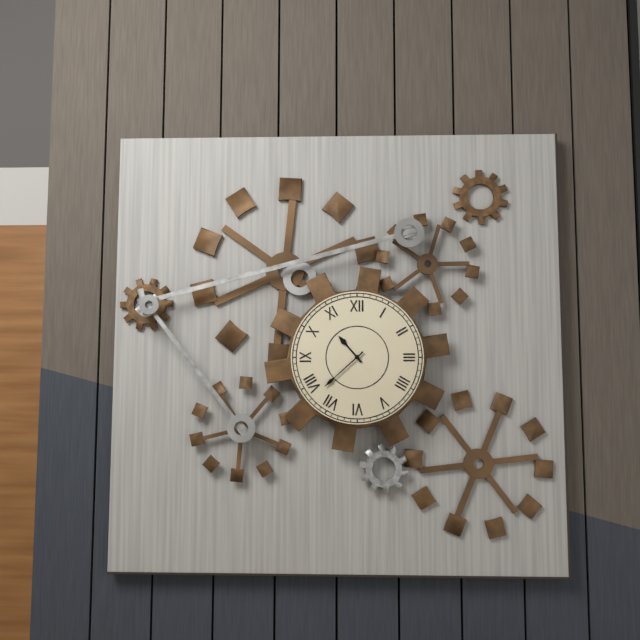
**10:38**
